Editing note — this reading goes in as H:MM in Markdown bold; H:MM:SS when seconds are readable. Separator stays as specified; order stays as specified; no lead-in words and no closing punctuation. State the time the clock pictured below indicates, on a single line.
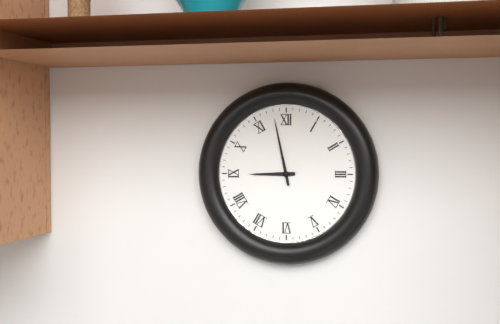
**8:58**
